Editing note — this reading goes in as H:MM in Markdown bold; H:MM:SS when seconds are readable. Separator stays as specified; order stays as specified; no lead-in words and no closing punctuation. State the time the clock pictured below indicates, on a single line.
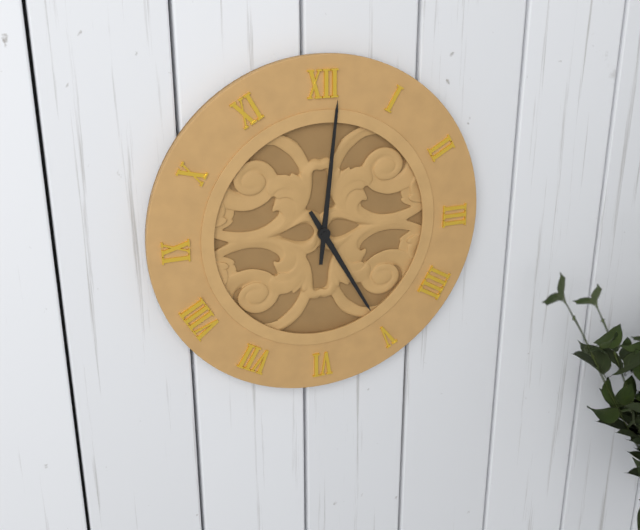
**5:01**
